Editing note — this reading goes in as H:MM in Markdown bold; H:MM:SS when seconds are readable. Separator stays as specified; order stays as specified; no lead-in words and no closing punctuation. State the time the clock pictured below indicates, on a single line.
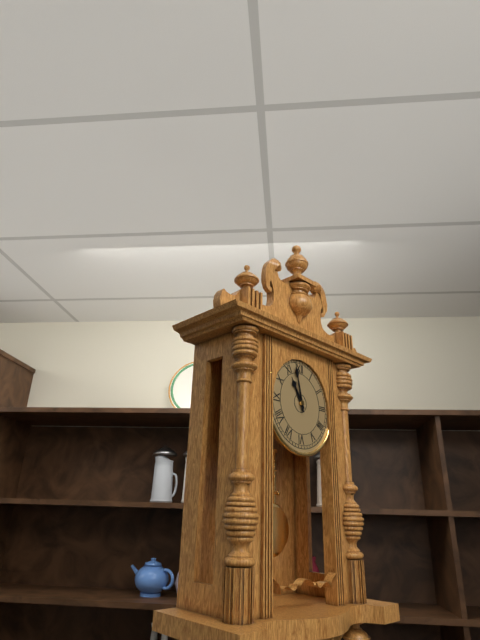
**10:58**
